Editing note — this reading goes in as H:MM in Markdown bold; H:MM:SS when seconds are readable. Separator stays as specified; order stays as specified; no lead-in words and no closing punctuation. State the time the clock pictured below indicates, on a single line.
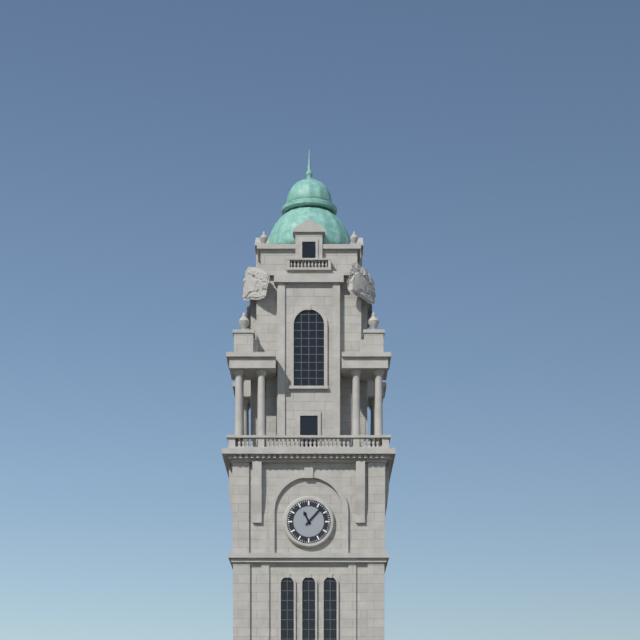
**11:07**
